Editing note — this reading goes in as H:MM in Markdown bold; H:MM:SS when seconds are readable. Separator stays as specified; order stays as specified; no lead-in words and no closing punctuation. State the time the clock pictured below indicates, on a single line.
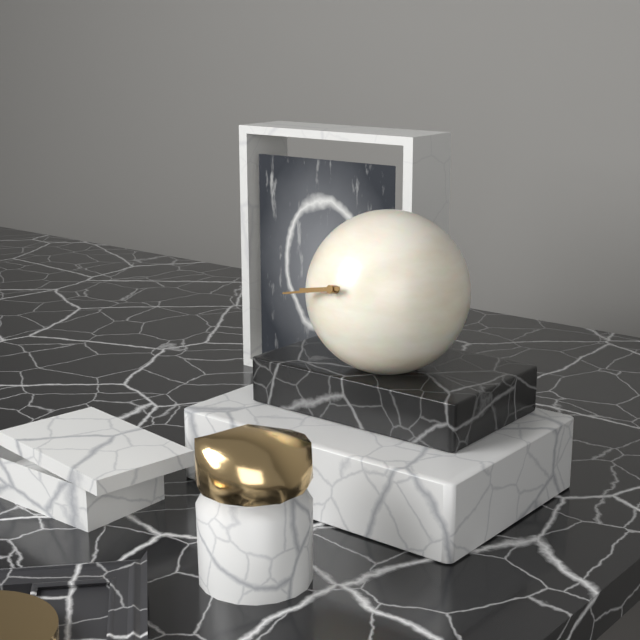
**8:43**
